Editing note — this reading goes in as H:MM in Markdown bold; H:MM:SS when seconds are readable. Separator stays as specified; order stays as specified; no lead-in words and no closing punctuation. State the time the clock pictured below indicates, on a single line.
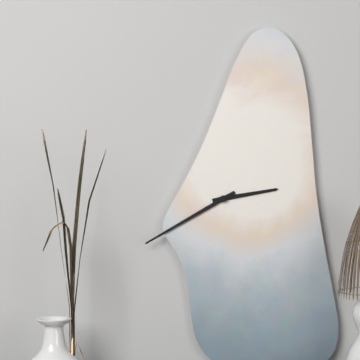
**2:40**
